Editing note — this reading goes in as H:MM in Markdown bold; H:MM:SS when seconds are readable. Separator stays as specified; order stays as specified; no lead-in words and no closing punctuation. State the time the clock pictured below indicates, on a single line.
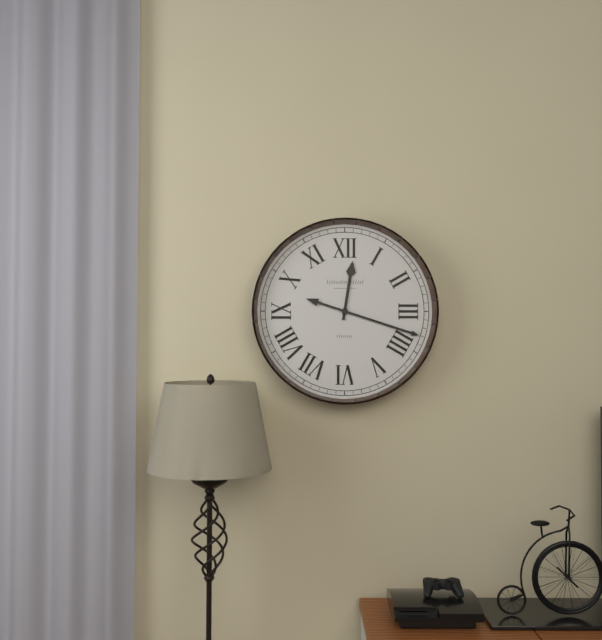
**12:18**
